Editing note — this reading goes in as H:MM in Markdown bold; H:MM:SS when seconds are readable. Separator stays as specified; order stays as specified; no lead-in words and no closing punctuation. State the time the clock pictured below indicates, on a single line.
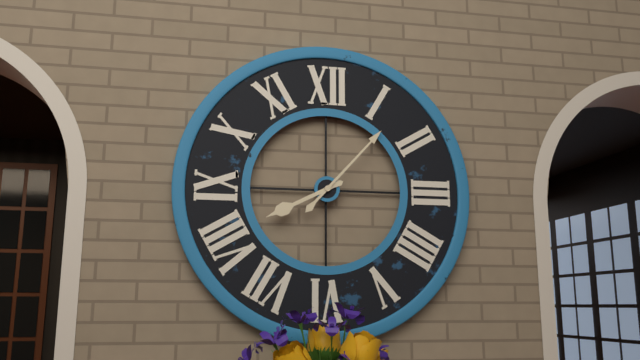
**8:07**
